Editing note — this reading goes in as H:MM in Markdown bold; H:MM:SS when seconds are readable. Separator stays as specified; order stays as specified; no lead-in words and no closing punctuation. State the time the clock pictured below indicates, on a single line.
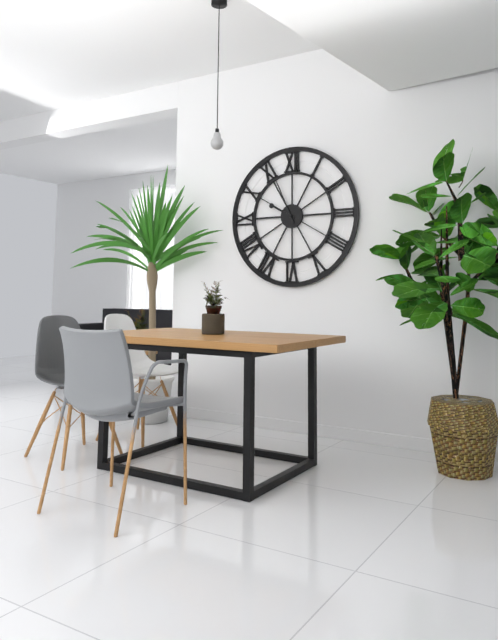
**9:56**
